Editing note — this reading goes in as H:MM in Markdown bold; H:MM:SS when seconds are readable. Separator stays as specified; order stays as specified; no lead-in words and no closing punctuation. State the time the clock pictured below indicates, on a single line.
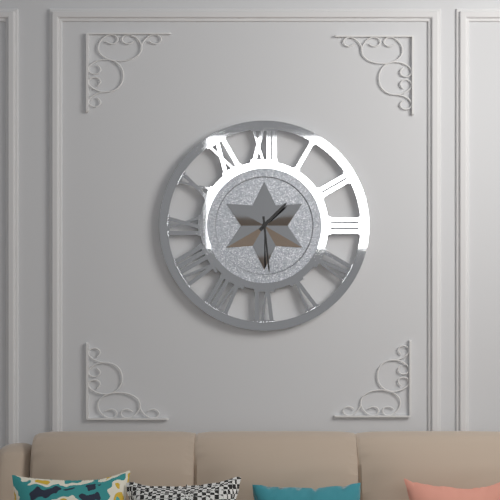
**1:29**
